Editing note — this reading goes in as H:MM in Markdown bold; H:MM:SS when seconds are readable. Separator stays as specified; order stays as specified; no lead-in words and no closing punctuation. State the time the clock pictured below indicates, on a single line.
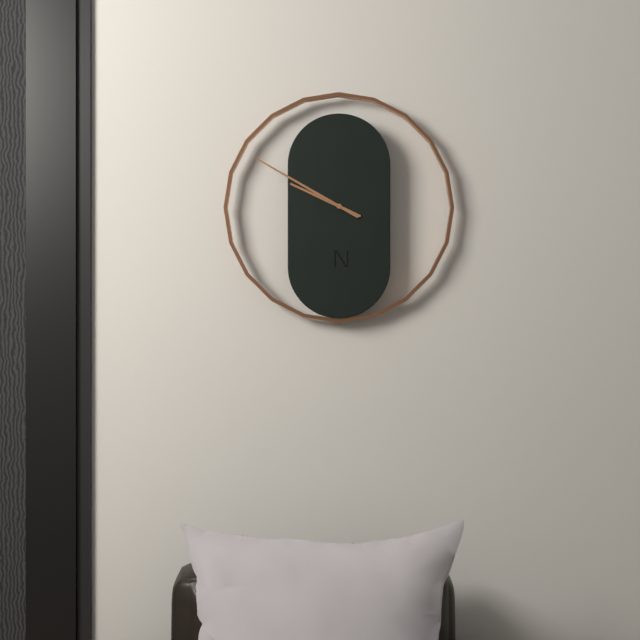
**9:50**
